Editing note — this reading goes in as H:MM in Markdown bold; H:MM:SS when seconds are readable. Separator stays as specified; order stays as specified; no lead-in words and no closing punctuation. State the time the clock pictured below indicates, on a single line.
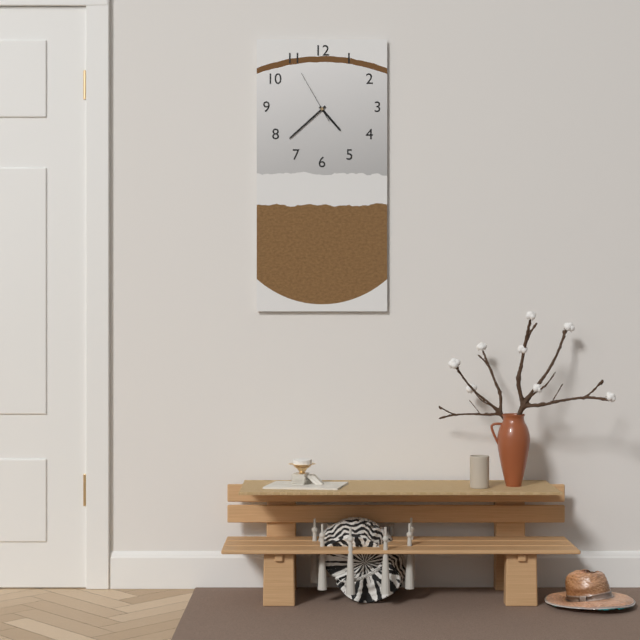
**4:38:55**
